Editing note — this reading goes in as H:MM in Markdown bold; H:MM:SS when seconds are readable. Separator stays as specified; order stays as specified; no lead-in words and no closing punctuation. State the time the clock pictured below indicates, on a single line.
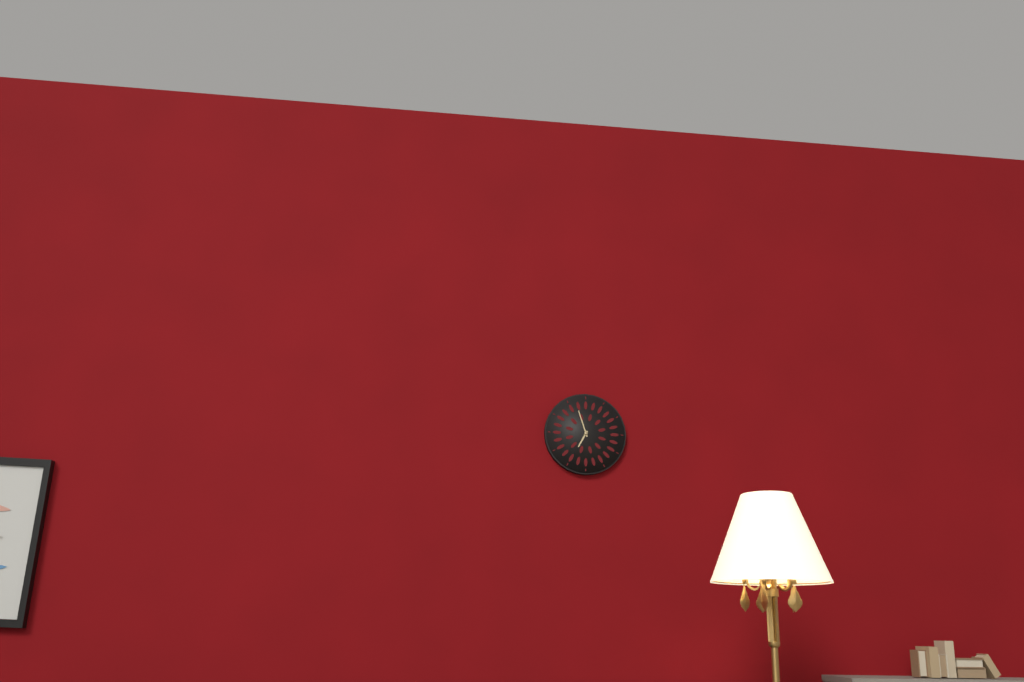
**6:57**
